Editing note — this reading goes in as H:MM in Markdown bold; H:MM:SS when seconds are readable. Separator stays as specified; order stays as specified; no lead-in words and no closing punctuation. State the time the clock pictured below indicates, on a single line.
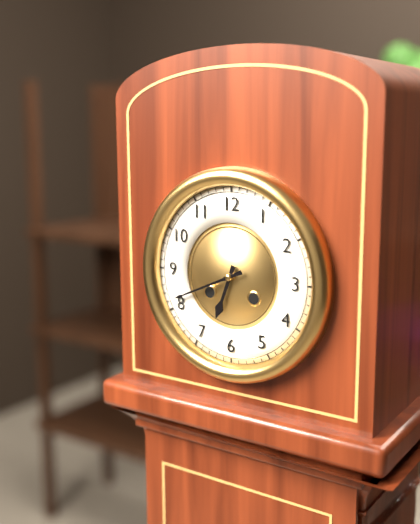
**6:41**
